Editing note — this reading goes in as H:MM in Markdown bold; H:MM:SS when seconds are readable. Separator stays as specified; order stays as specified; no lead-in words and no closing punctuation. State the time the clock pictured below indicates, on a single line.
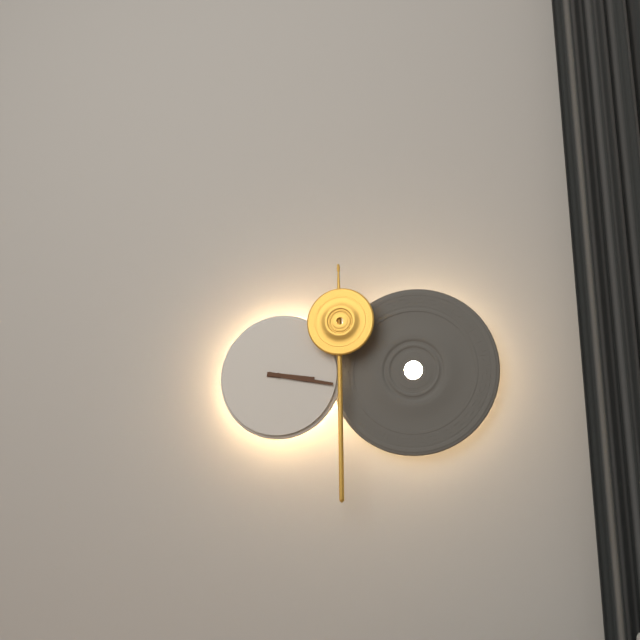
**3:17**
